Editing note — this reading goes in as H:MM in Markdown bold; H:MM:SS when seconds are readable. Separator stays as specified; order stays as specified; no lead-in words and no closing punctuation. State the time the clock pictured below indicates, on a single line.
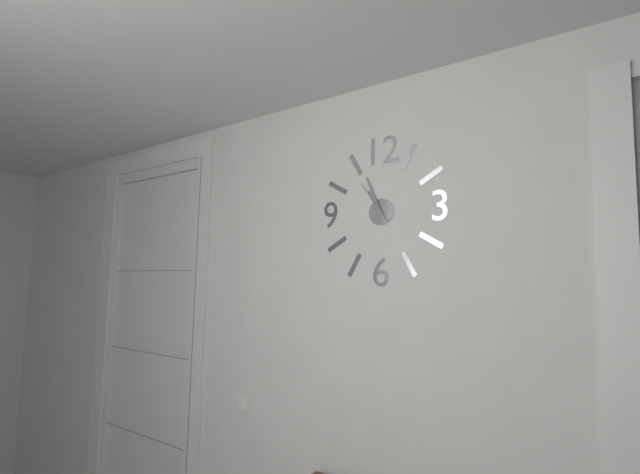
**10:56**
